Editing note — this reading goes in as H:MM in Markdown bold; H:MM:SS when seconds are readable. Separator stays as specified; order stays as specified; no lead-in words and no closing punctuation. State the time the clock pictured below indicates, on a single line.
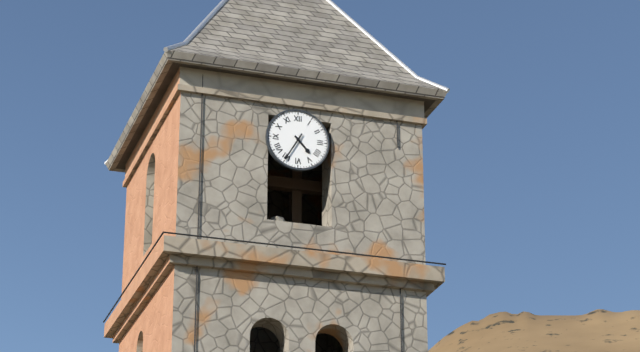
**4:35**
